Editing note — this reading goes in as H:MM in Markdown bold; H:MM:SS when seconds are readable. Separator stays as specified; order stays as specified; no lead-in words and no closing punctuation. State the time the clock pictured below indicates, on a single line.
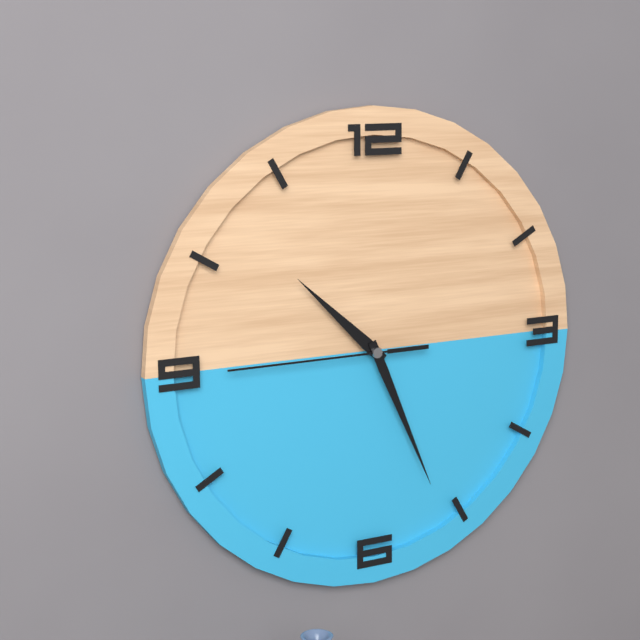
**10:26:45**
